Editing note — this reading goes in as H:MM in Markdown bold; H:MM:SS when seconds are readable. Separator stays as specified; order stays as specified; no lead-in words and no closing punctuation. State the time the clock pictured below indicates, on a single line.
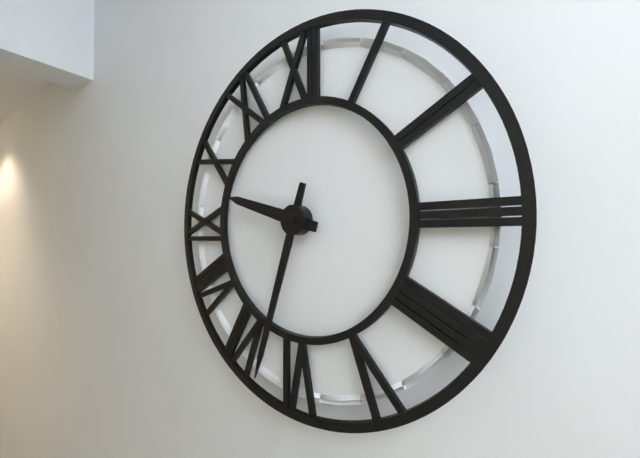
**9:33**
